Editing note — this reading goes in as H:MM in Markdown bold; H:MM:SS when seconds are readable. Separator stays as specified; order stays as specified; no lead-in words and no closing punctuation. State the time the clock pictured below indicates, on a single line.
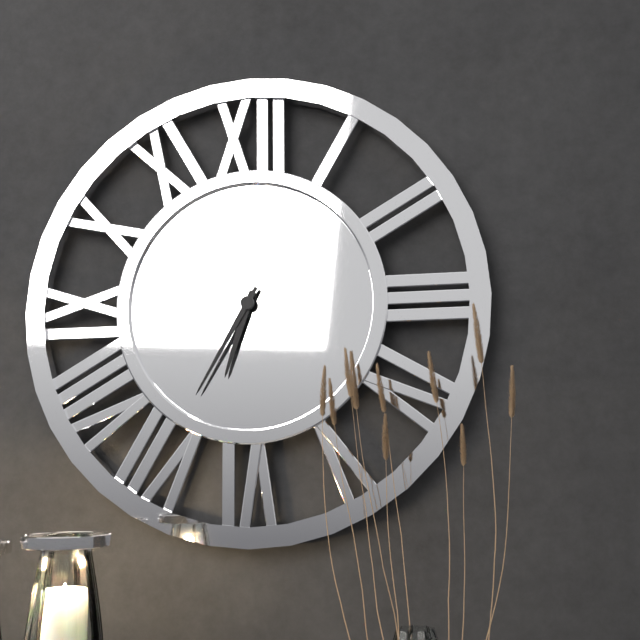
**6:35**
